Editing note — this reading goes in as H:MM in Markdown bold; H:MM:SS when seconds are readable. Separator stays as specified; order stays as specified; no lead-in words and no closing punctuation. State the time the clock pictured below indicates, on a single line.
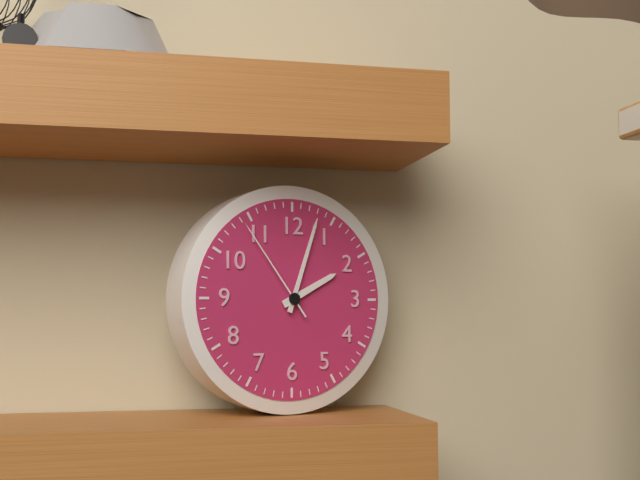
**2:03:54**
